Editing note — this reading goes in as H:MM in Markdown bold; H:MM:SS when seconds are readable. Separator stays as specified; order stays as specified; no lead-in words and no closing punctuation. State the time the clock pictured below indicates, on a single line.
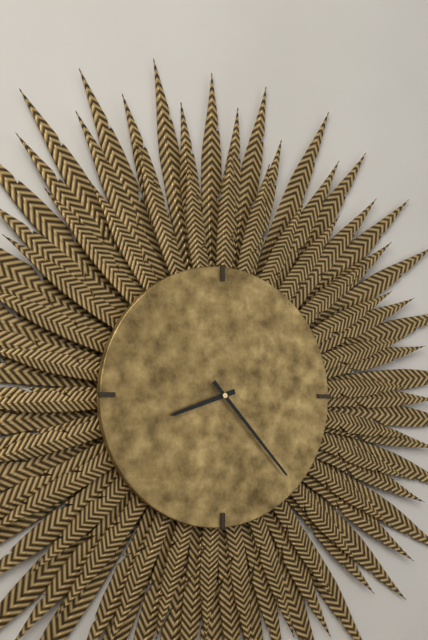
**8:23**
